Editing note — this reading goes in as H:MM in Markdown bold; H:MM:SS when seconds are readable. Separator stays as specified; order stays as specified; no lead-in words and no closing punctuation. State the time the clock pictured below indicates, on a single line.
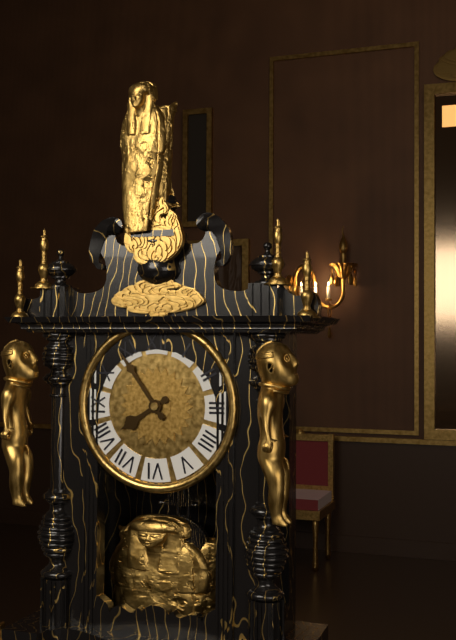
**7:54**
